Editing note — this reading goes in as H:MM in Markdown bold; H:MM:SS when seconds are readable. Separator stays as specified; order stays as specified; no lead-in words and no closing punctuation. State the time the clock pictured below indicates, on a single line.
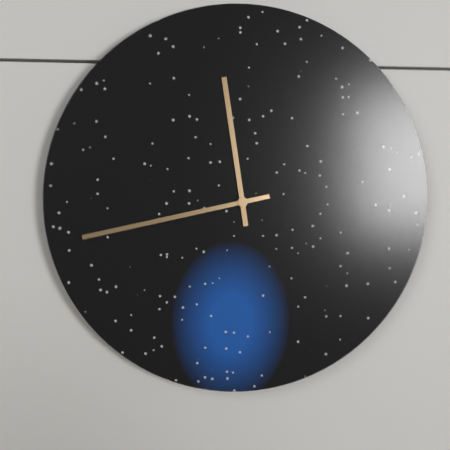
**11:43**
